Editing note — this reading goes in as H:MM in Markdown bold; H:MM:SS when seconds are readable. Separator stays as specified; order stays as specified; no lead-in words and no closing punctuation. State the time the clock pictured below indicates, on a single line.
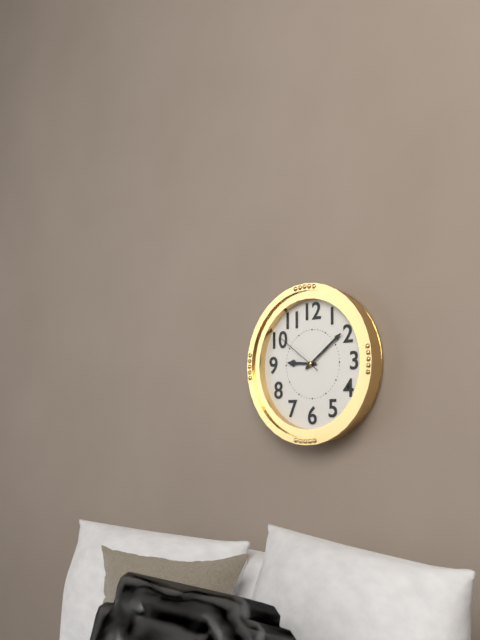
**9:09:51**
